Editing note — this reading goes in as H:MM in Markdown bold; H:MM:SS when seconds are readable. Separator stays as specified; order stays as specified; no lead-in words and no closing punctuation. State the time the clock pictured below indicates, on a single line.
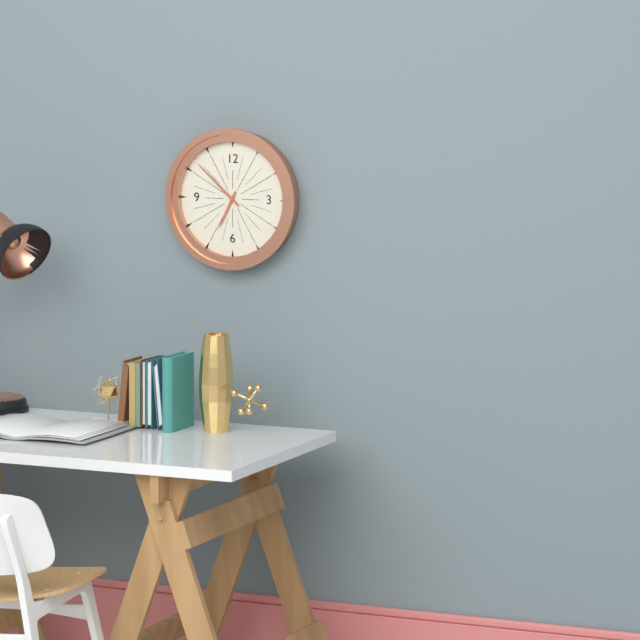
**6:52**
